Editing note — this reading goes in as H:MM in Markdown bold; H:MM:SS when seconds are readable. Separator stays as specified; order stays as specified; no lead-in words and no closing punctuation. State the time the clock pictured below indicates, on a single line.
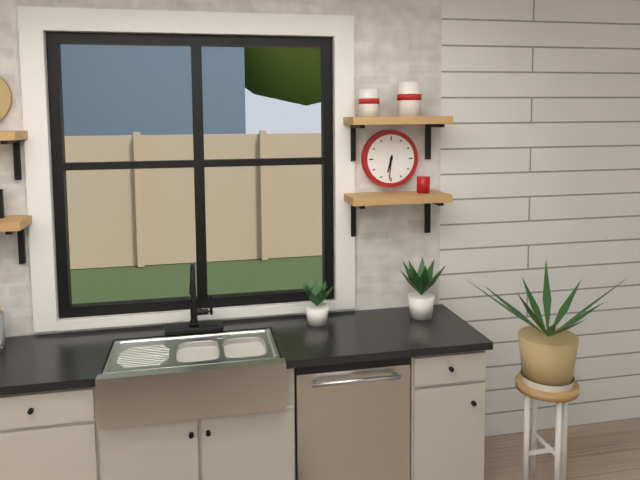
**6:31**
